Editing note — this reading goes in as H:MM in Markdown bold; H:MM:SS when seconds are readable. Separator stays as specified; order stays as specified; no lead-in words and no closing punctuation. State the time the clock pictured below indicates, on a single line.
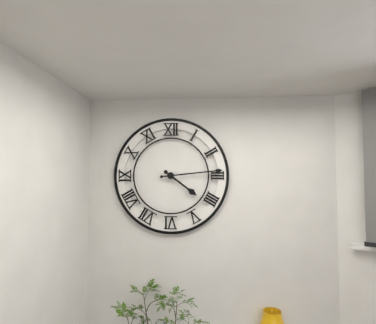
**4:14**
